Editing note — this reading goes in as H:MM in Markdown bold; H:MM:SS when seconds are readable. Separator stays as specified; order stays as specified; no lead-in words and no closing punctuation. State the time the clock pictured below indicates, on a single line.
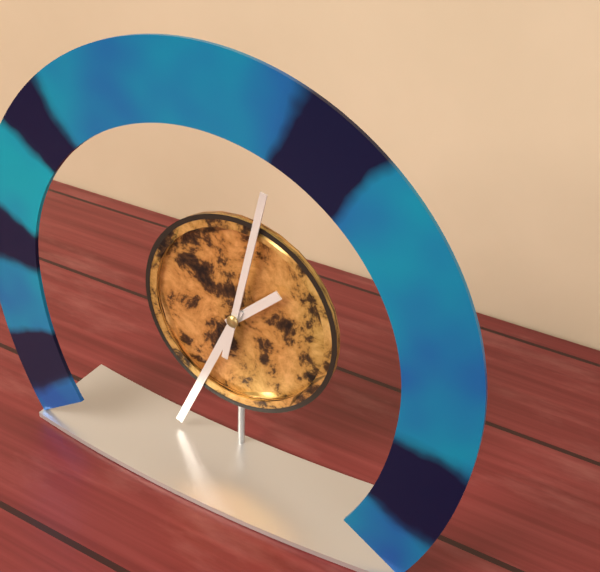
**1:34:02**
